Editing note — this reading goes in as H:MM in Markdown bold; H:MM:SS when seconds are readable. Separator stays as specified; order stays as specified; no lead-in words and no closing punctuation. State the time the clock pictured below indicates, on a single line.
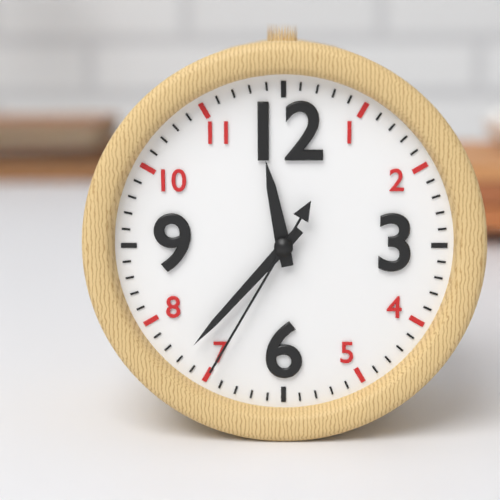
**11:37:35**
